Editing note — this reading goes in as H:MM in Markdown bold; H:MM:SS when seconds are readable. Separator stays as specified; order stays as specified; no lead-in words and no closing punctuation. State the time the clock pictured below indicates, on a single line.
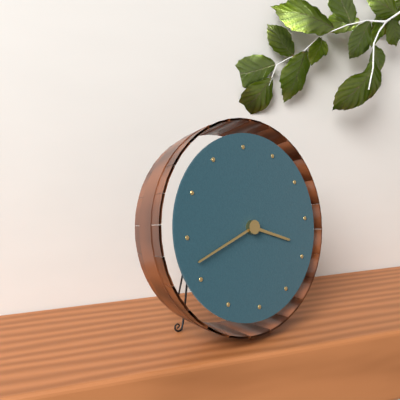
**3:42**
